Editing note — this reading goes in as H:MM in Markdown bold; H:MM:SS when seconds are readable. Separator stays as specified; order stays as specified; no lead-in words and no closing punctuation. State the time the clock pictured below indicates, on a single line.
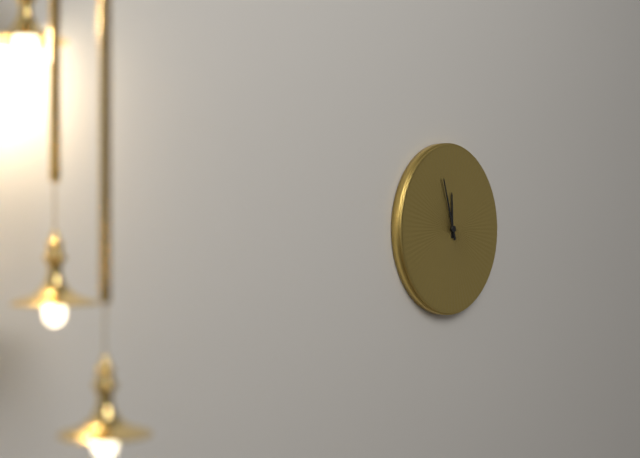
**11:57**
